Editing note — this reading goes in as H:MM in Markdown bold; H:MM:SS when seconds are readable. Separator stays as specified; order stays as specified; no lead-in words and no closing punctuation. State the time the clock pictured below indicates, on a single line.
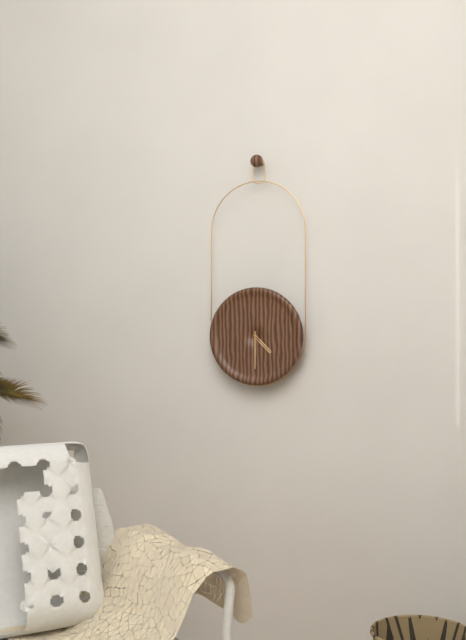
**4:30**
